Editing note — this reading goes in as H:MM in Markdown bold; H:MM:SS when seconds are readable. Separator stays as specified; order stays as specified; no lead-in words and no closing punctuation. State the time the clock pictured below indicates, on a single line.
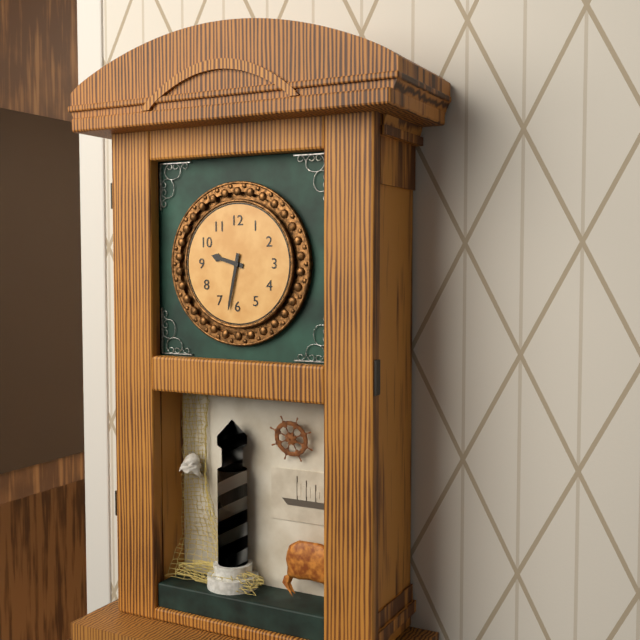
**9:32**
